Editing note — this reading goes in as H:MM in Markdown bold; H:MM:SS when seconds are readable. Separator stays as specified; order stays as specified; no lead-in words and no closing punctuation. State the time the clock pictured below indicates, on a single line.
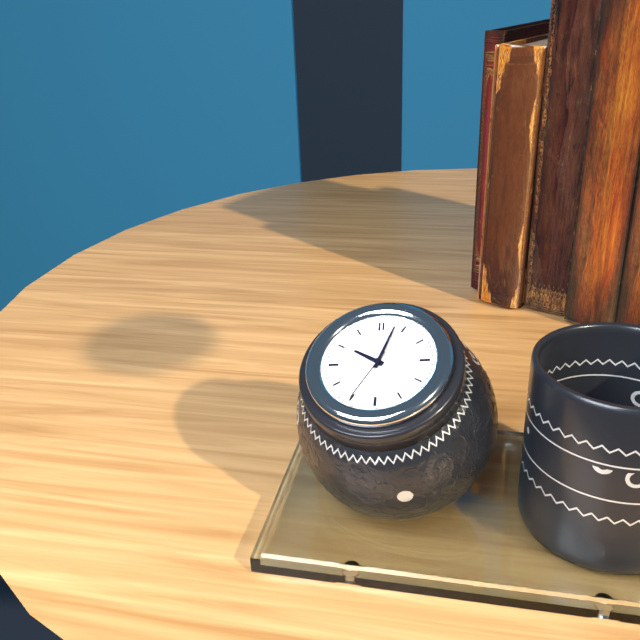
**10:03:35**
